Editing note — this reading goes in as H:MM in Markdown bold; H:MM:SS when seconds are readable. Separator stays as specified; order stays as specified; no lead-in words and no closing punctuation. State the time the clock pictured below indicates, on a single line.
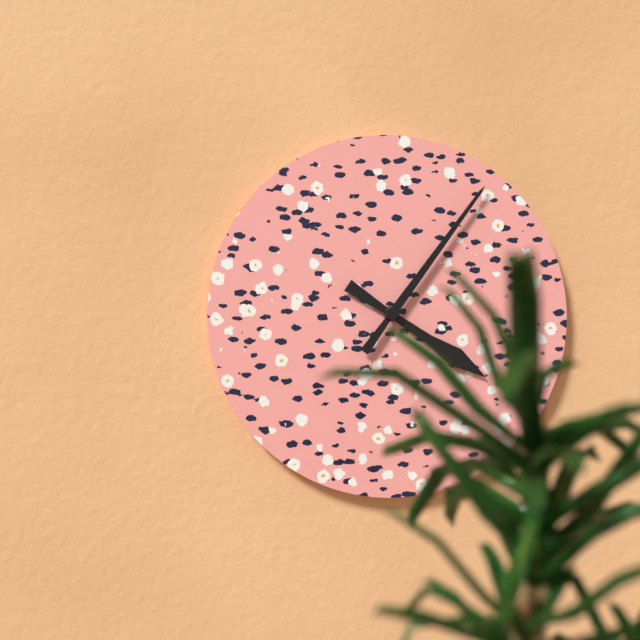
**4:06**
